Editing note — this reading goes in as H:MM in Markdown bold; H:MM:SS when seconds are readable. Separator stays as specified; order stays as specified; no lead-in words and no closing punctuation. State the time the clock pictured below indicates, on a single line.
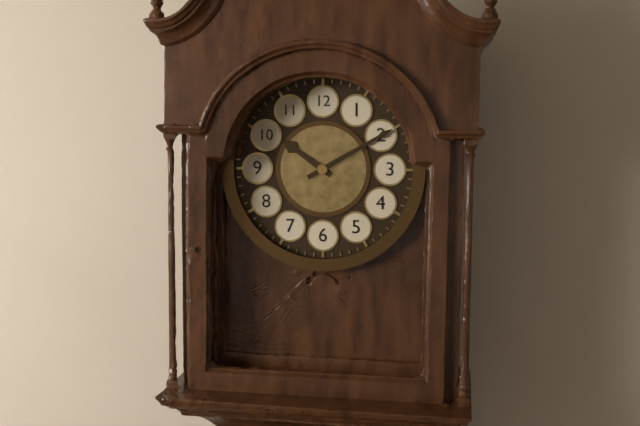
**10:10**
